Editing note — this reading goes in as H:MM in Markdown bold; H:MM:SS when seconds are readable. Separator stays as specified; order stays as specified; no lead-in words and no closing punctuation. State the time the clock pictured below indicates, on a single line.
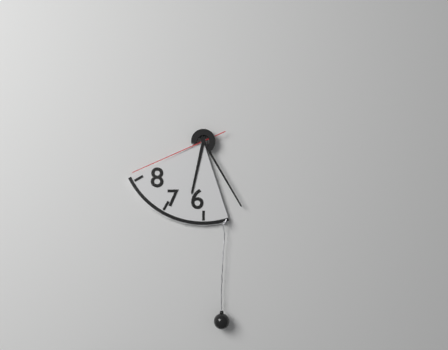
**6:25:41**
